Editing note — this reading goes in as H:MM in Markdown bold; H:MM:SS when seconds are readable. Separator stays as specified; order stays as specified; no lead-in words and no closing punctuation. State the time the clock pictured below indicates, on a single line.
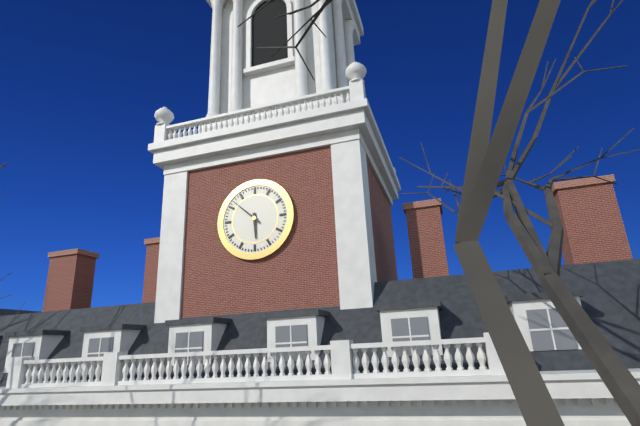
**5:52**
